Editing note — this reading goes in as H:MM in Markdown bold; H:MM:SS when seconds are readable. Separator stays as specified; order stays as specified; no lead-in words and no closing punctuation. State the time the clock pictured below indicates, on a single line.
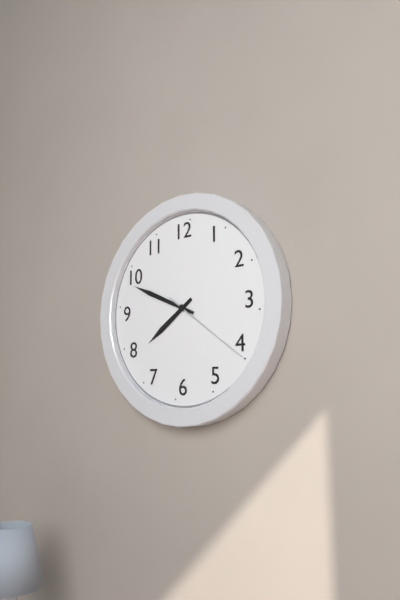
**7:49:21**
